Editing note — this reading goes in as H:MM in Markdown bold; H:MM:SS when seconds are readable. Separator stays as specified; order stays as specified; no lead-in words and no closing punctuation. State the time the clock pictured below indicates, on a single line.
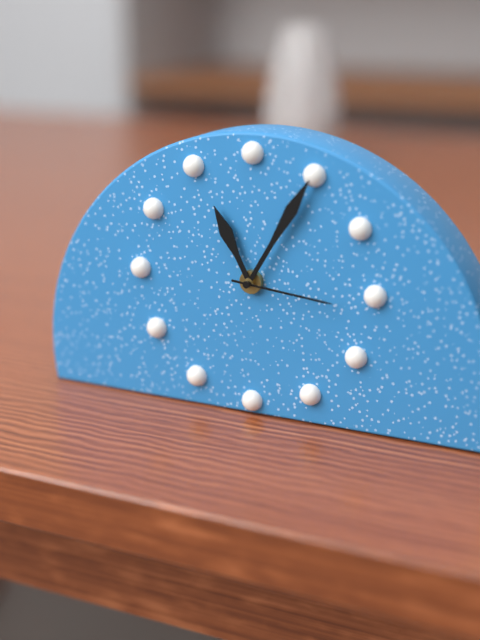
**11:05:16**
